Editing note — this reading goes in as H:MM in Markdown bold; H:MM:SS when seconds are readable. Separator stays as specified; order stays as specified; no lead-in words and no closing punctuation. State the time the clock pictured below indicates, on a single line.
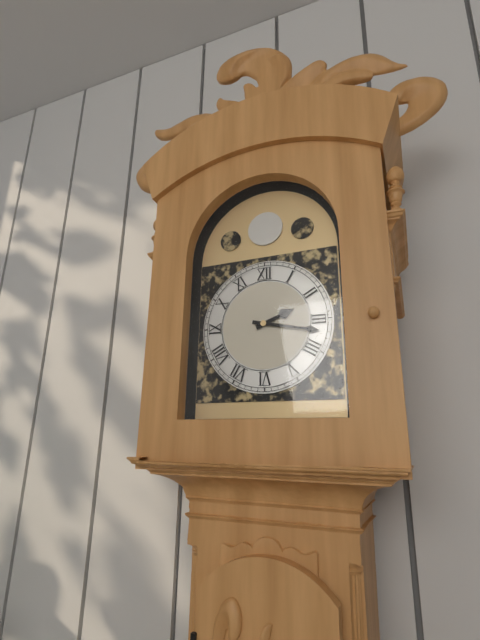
**2:17**
